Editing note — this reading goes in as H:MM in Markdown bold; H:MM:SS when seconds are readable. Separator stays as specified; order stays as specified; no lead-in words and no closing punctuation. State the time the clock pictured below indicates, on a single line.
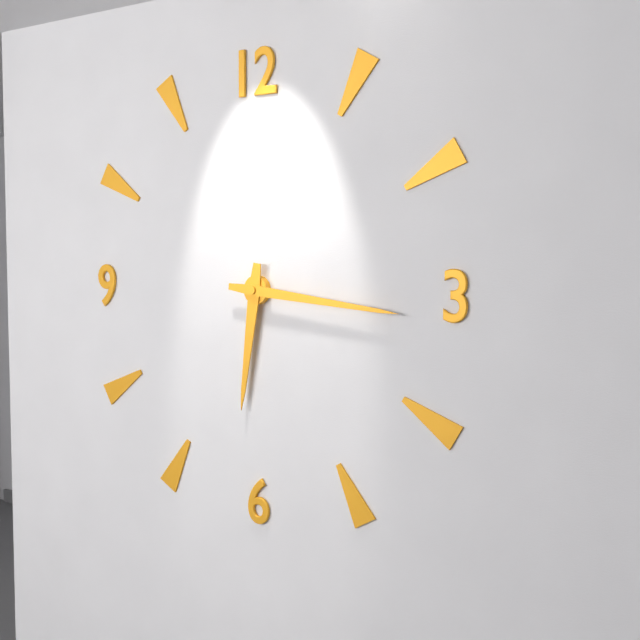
**6:16**
